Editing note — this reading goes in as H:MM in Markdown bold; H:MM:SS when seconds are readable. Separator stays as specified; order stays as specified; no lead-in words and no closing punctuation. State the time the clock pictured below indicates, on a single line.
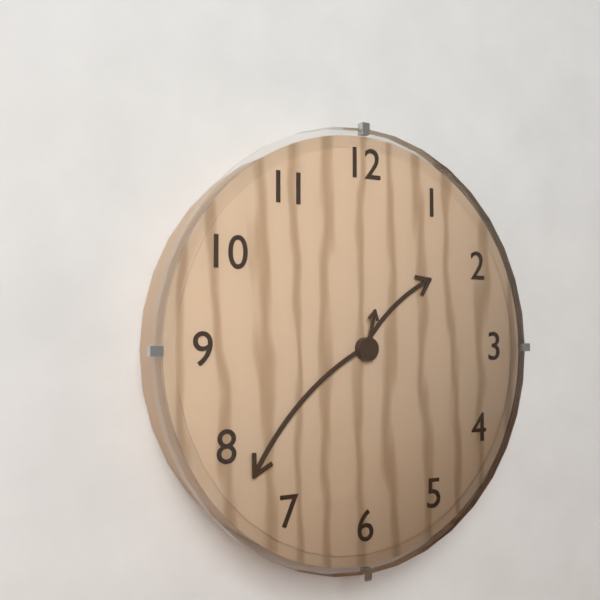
**1:38:02**
